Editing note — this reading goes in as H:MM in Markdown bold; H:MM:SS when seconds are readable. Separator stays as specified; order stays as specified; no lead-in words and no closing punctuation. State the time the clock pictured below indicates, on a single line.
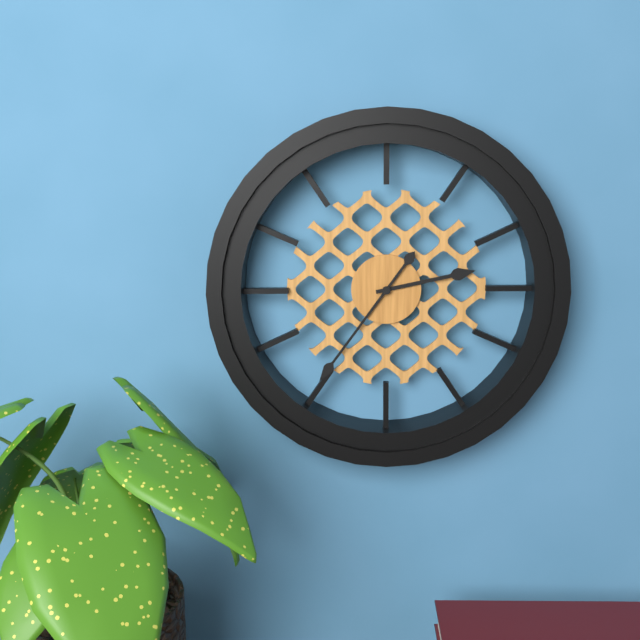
**2:36**
